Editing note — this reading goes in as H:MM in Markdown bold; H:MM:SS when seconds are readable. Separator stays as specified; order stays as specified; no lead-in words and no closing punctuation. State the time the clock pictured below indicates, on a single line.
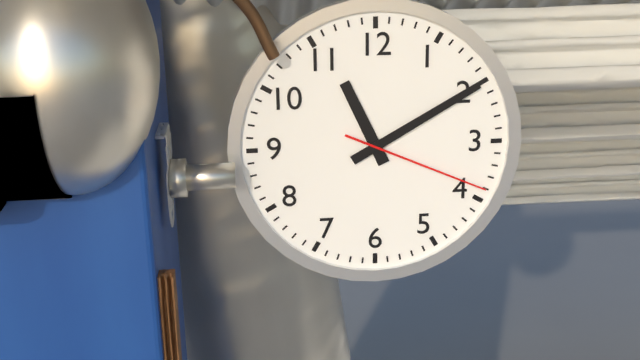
**11:10:19**
